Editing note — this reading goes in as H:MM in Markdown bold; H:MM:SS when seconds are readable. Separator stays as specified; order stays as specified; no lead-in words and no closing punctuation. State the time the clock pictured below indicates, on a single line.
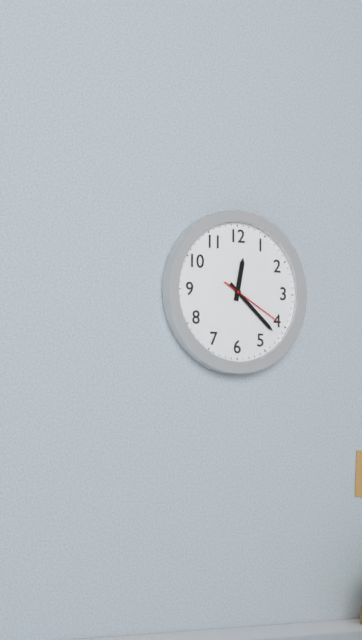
**12:22:20**
